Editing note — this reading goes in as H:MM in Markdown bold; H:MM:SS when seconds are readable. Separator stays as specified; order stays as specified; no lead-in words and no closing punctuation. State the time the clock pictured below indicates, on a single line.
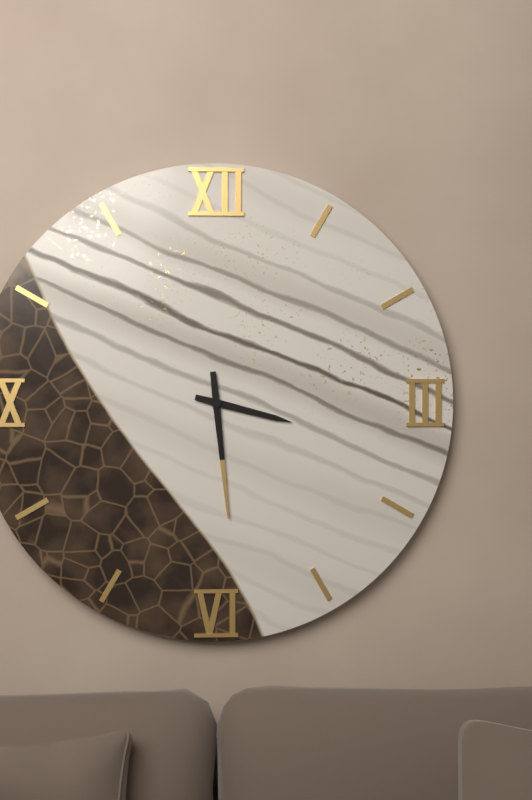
**3:29**
